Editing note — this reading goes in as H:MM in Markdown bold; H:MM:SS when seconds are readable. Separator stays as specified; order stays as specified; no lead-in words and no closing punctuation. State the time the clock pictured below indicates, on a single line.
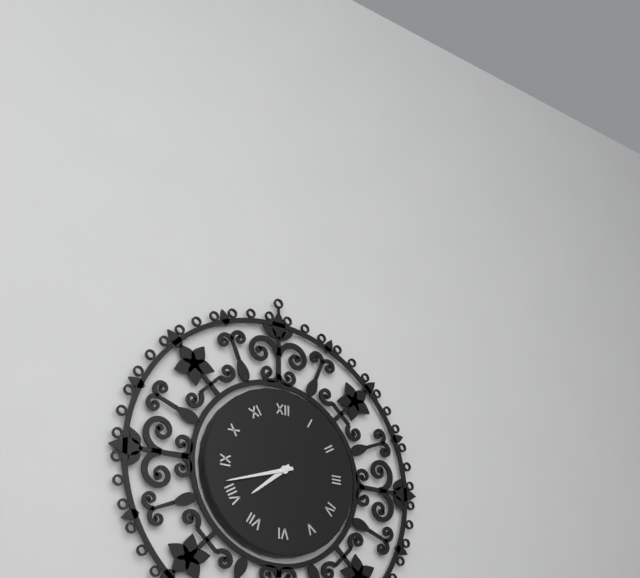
**7:42**
